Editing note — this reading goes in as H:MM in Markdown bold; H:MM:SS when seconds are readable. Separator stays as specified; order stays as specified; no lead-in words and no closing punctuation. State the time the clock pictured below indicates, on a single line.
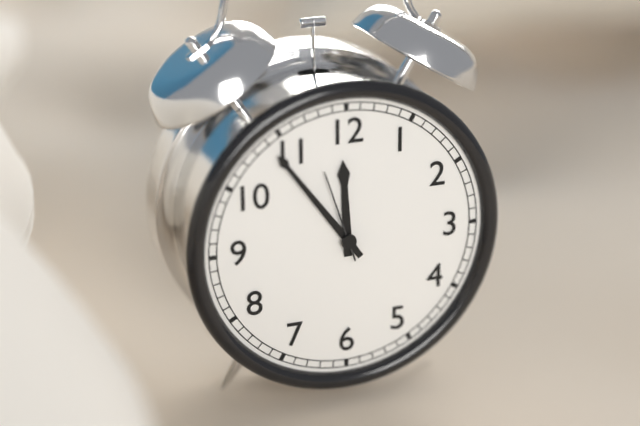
**11:54:57**
